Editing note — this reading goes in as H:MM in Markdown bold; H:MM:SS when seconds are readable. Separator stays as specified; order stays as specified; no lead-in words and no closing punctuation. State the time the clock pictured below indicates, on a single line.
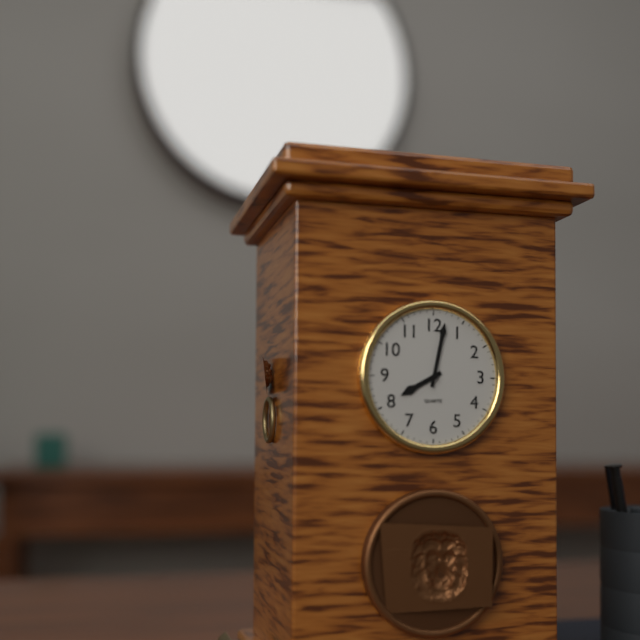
**8:02**
